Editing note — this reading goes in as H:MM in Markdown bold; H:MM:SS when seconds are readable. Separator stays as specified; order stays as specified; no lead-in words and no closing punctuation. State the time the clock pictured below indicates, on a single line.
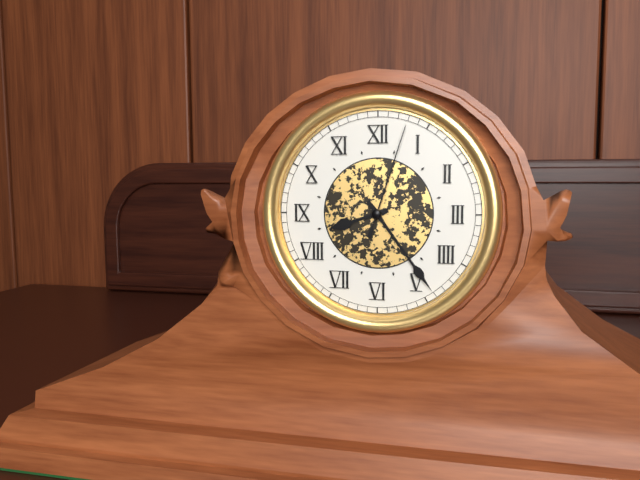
**8:24:03**
